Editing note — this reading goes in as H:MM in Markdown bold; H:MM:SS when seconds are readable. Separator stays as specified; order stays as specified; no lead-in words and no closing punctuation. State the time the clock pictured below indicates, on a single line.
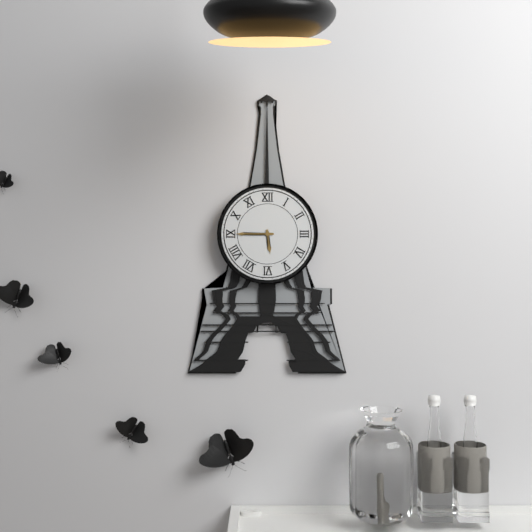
**5:45**
